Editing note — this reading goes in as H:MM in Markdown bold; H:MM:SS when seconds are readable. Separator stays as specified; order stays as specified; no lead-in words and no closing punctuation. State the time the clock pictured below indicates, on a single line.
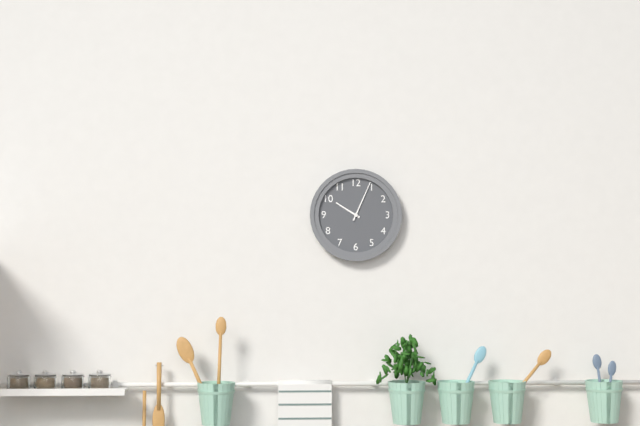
**10:04**
